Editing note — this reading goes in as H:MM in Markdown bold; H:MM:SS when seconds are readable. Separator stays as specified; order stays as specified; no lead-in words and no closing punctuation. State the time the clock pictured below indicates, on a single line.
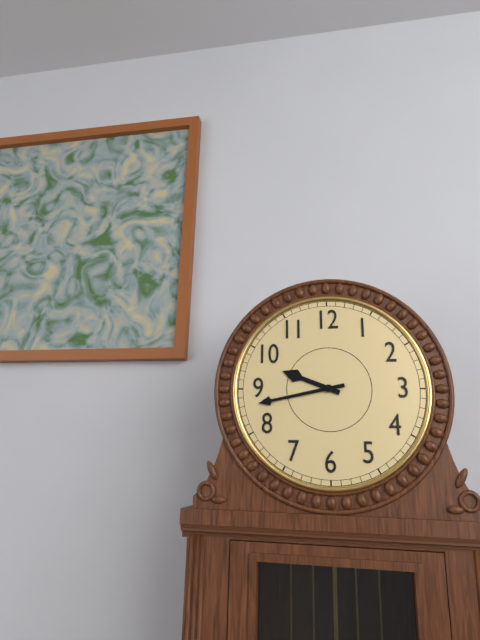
**9:43**
